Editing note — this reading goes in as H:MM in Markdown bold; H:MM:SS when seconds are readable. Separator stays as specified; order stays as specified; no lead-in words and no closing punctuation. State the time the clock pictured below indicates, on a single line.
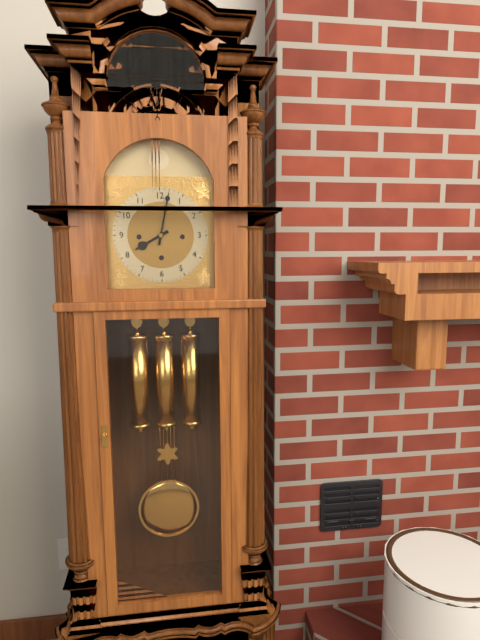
**8:02**
